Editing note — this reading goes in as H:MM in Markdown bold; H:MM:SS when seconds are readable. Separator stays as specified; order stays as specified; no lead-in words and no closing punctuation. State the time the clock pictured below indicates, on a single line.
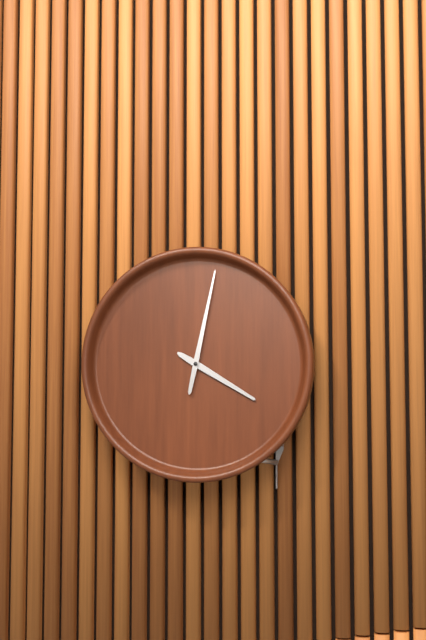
**4:02**
